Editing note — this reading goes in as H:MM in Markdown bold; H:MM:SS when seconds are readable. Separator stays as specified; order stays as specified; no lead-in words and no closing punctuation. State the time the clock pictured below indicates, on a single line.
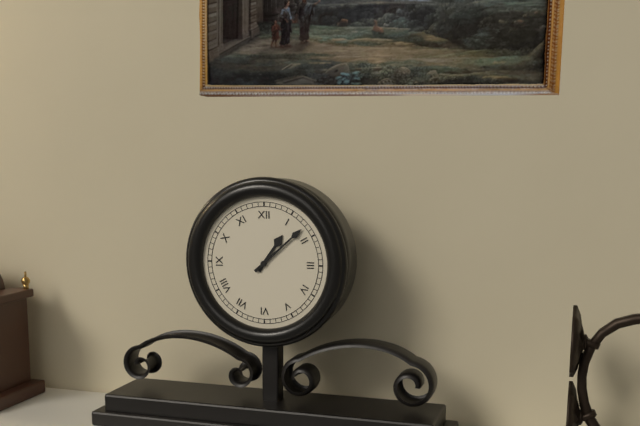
**1:08**
